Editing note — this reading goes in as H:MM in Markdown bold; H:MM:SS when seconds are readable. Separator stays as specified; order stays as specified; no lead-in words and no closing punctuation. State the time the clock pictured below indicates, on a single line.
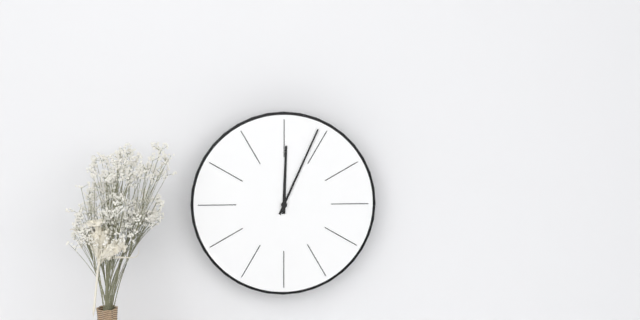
**12:04**
